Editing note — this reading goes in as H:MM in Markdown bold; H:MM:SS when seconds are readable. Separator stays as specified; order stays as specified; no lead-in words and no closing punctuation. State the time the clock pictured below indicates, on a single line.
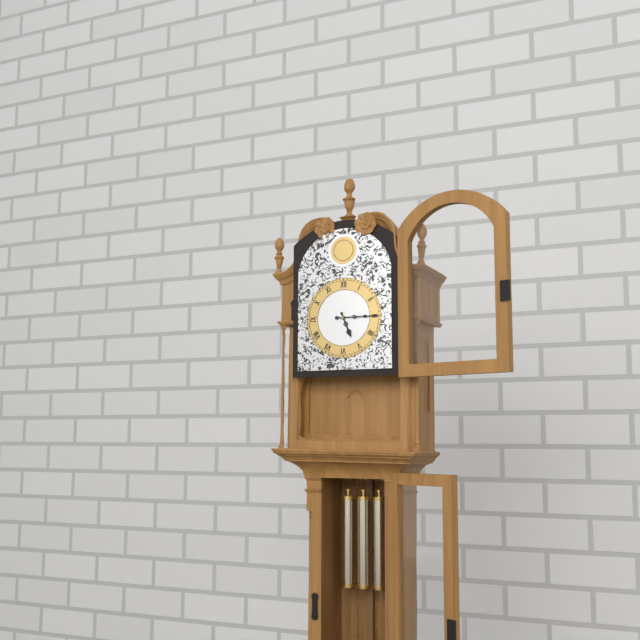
**5:15**
